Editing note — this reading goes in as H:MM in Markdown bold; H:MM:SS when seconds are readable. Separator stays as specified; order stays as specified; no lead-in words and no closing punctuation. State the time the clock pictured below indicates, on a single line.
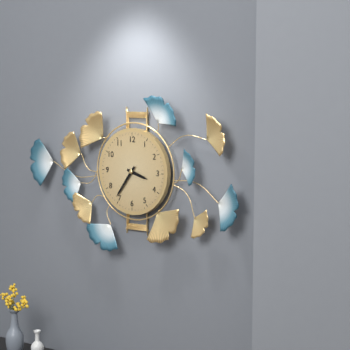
**3:36**
